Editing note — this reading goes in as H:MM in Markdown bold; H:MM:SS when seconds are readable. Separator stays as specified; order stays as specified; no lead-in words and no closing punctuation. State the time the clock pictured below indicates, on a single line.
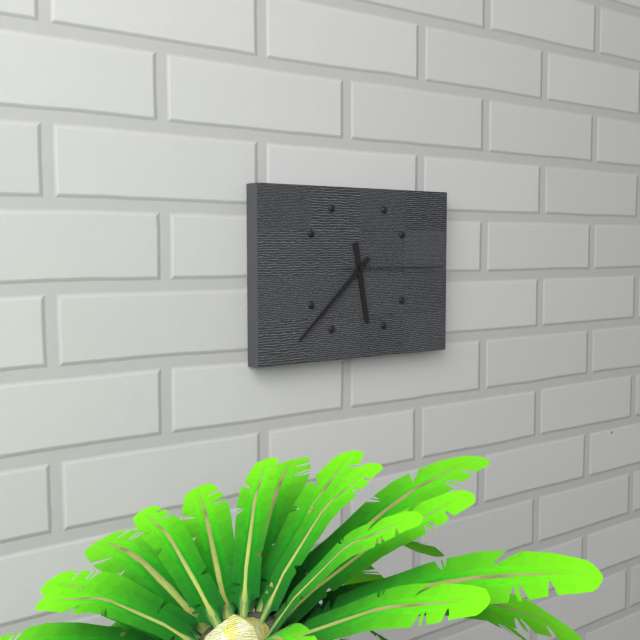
**5:38:15**
